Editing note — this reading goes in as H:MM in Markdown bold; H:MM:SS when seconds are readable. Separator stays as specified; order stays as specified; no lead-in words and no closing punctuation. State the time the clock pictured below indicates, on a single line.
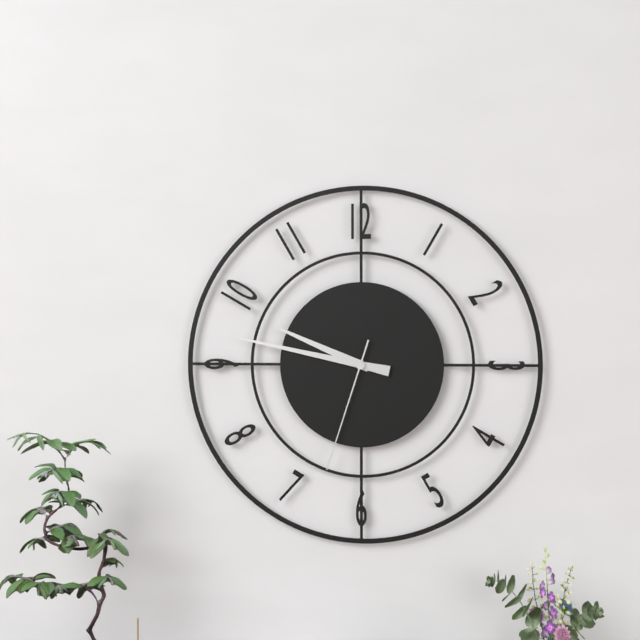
**9:47:33**
